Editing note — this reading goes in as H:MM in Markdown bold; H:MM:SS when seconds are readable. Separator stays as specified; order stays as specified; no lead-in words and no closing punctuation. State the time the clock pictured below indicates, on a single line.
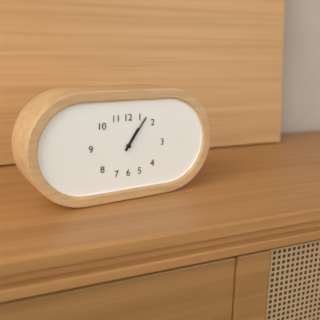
**1:06**
